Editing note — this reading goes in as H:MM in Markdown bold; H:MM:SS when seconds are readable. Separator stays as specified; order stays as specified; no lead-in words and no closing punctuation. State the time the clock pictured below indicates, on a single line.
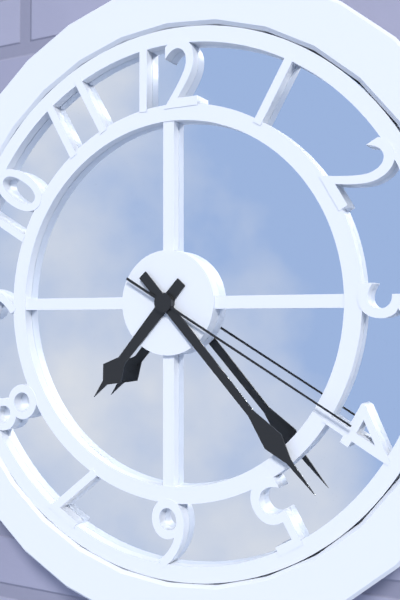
**7:23:20**
